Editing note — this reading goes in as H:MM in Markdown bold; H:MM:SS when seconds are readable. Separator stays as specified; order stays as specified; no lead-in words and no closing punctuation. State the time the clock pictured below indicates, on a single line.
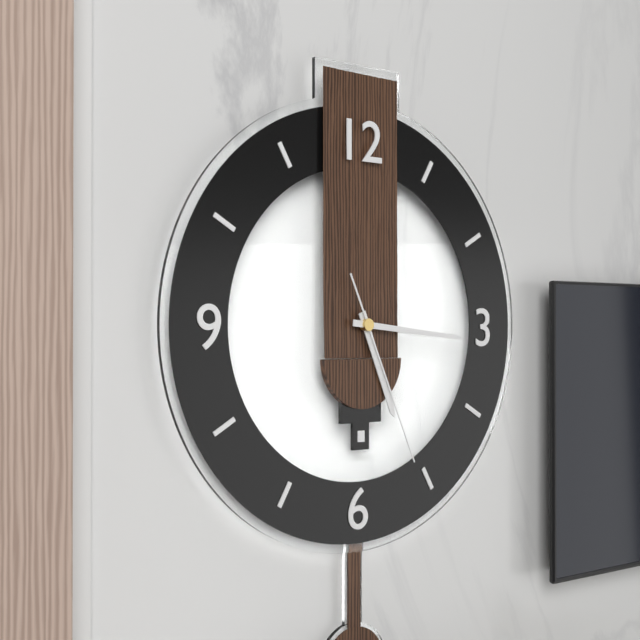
**5:16:26**
